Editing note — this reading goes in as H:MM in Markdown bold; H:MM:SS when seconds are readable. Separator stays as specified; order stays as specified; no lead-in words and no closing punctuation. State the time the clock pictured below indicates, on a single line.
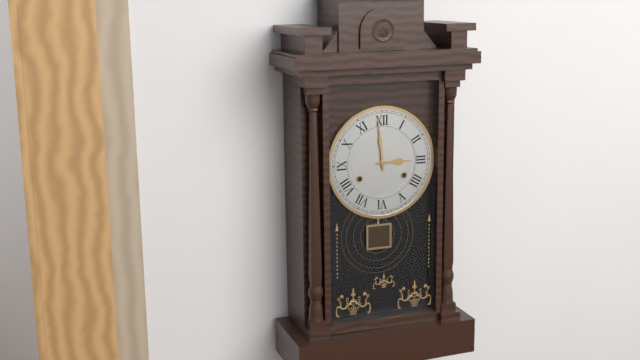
**2:59**
